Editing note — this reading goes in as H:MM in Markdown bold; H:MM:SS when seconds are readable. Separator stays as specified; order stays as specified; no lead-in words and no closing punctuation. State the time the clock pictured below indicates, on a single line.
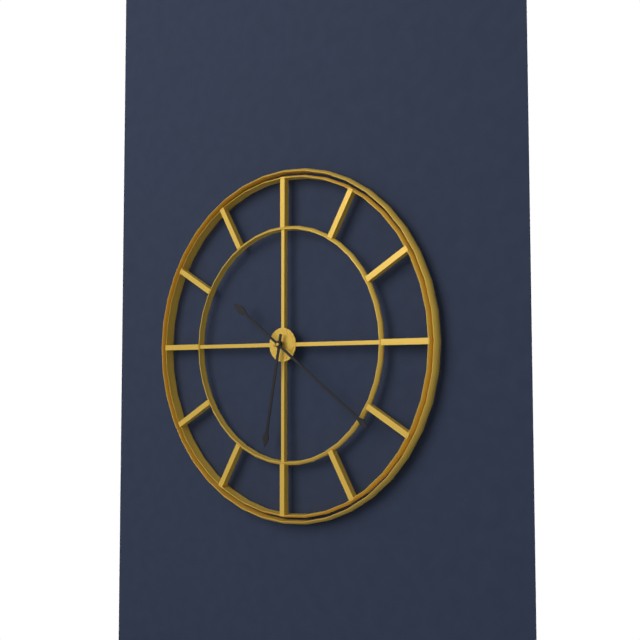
**6:21**
